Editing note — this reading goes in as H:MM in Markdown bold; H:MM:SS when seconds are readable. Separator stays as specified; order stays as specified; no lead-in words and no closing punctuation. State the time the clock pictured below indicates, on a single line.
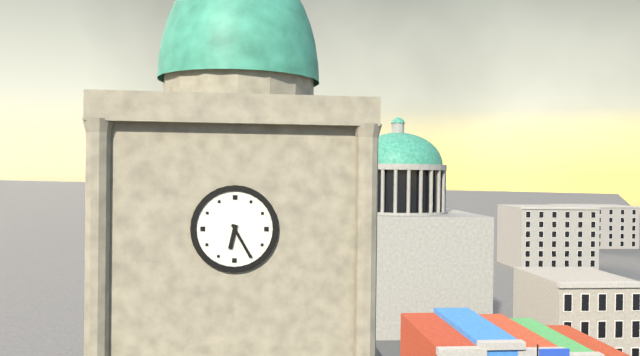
**6:25**
